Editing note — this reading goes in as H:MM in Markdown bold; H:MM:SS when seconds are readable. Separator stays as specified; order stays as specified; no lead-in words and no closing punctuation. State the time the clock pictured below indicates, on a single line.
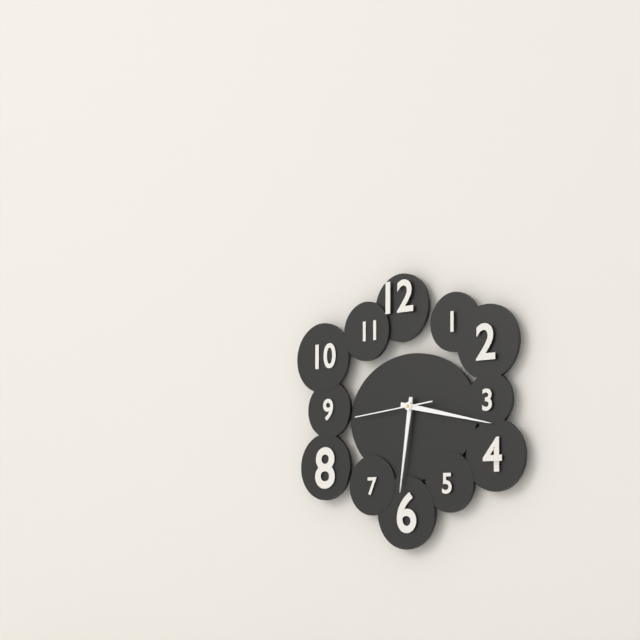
**6:17:44**
